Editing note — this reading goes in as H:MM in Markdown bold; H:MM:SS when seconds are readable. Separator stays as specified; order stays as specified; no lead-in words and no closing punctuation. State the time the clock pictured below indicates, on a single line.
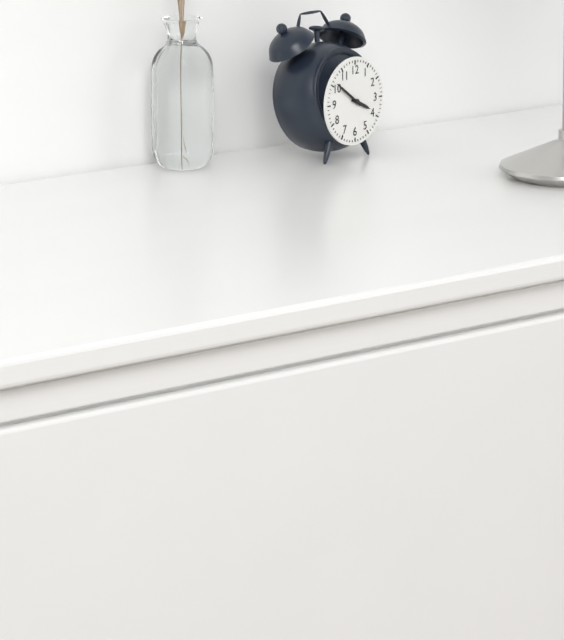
**3:51**
